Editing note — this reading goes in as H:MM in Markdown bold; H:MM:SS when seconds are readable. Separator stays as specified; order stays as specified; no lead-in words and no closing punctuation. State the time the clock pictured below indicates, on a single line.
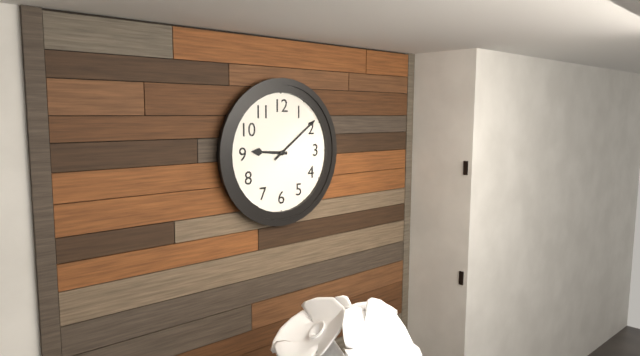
**9:09**
